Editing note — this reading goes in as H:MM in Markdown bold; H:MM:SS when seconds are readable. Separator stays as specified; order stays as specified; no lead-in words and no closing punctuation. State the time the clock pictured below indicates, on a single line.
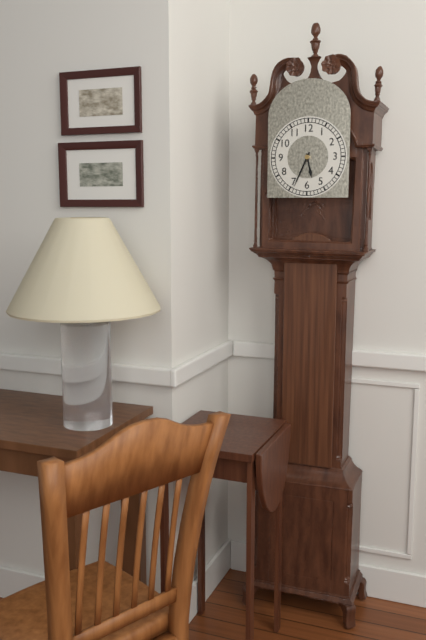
**5:34**
